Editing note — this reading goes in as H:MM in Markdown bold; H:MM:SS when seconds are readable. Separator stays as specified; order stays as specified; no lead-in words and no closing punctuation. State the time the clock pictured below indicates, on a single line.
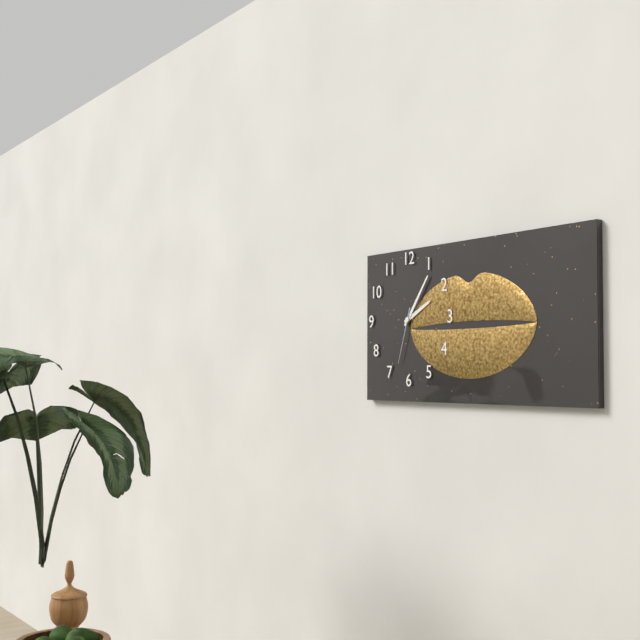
**2:06:33**
